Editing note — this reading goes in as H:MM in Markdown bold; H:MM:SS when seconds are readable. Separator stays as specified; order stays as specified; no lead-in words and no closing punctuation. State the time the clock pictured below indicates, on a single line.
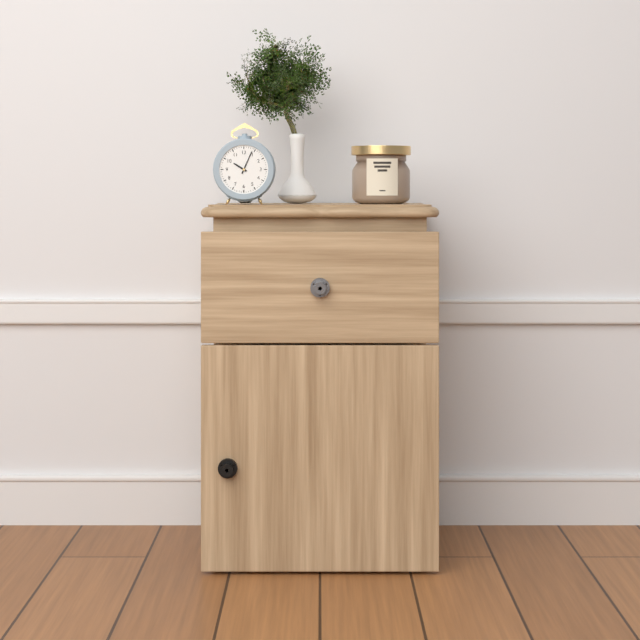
**10:04**
